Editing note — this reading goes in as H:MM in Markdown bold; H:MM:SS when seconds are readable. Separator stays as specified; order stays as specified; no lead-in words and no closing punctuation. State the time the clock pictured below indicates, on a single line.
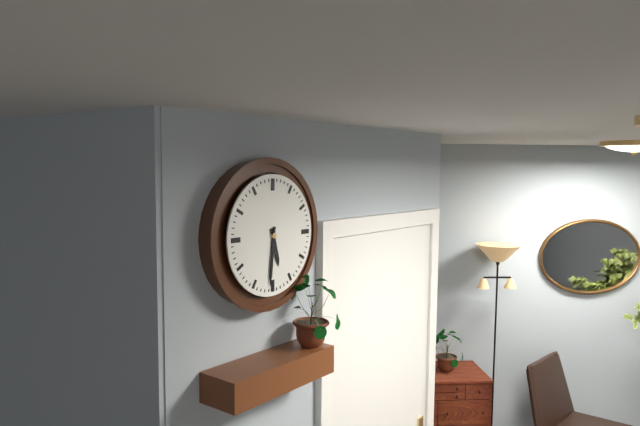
**5:31**
